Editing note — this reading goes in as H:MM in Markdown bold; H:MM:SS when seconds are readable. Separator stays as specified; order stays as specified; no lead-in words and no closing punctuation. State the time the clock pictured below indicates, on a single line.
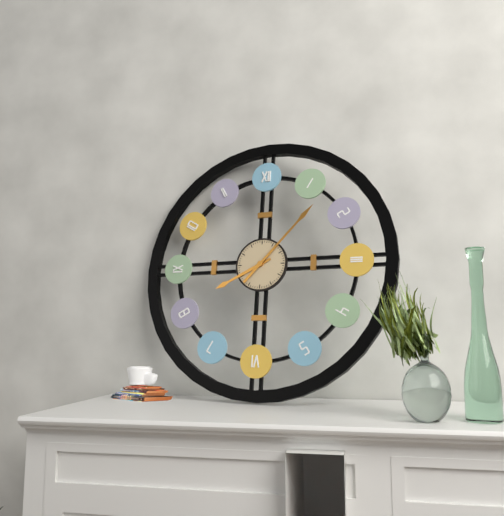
**8:07**
